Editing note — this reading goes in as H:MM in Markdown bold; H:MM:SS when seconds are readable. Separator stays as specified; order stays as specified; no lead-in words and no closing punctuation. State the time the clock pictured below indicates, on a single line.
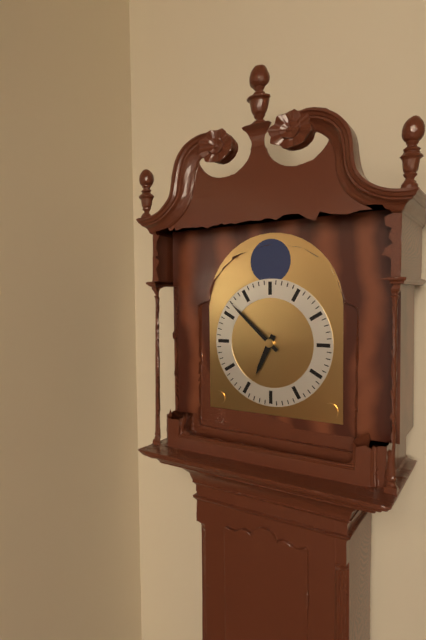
**6:52**
